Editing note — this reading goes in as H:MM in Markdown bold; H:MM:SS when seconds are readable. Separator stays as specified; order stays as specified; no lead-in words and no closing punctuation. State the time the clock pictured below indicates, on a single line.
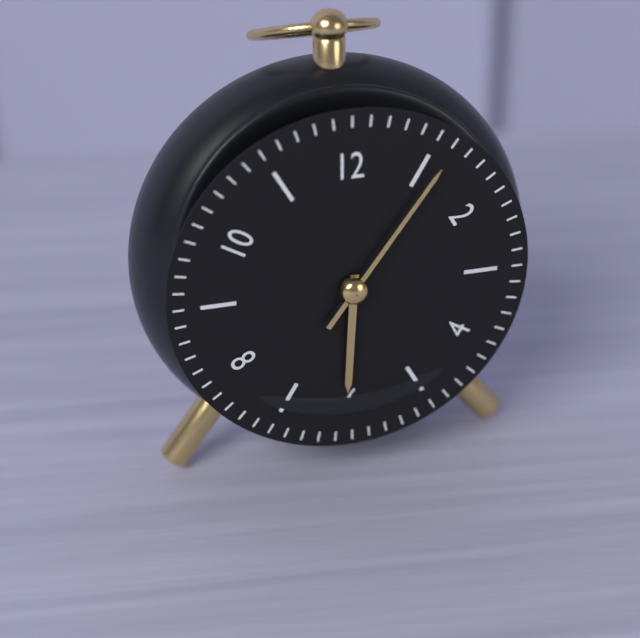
**6:06**
